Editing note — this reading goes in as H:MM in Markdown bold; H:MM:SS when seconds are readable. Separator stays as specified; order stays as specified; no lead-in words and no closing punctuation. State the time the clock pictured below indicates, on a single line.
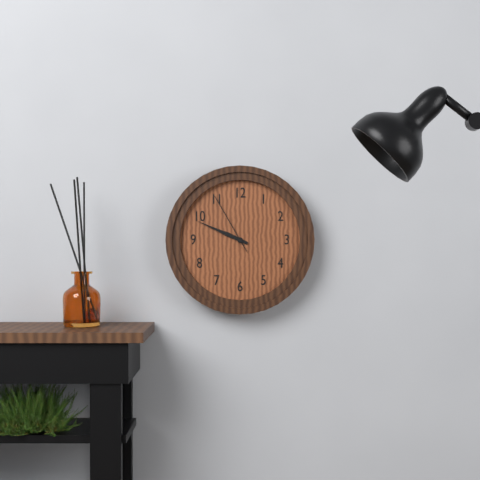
**9:49:55**
